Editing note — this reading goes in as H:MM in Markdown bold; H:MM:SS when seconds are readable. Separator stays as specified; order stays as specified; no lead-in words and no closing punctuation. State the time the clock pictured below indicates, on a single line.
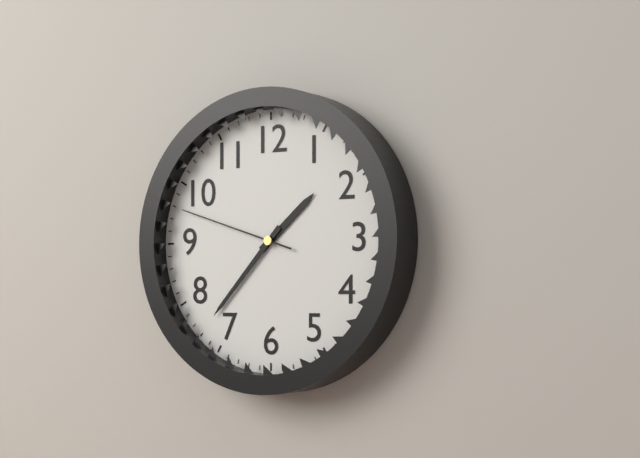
**1:37:48**
